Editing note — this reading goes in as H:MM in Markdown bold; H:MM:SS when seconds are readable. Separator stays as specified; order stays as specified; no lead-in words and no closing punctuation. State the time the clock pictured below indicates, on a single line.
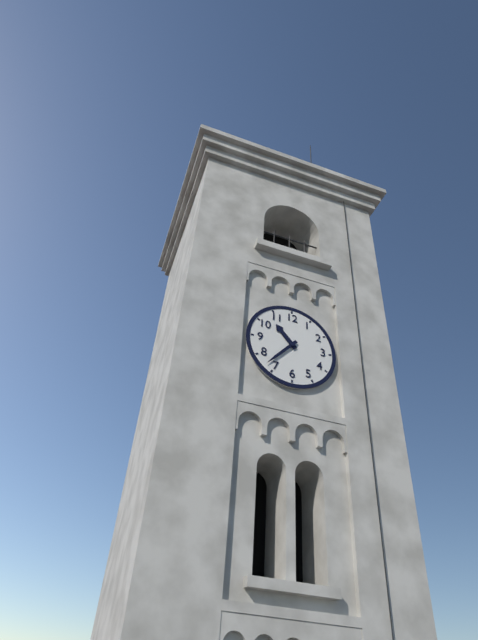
**10:37**
